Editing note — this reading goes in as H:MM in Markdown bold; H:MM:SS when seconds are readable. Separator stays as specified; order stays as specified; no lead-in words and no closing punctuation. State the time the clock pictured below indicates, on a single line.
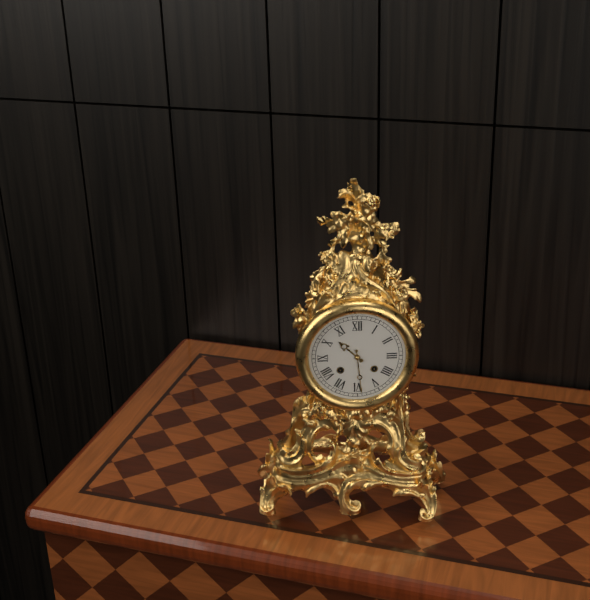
**10:29**
